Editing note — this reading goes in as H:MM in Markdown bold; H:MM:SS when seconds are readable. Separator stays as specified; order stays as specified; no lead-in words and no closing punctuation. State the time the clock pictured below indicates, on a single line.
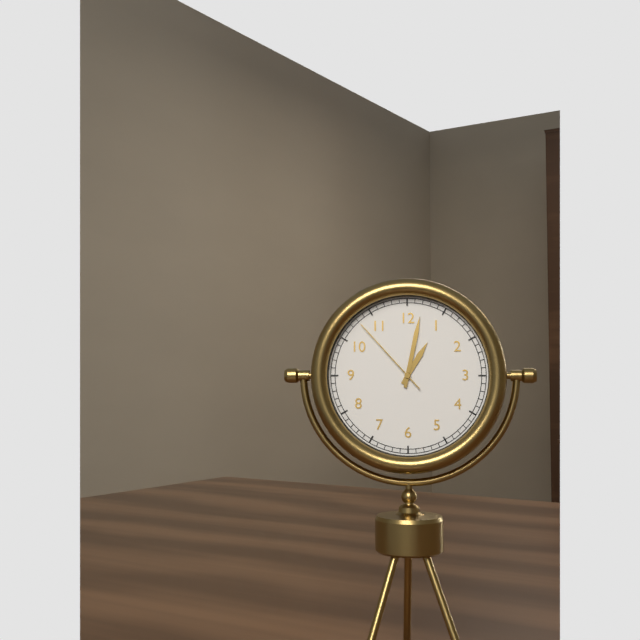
**1:02:53**
